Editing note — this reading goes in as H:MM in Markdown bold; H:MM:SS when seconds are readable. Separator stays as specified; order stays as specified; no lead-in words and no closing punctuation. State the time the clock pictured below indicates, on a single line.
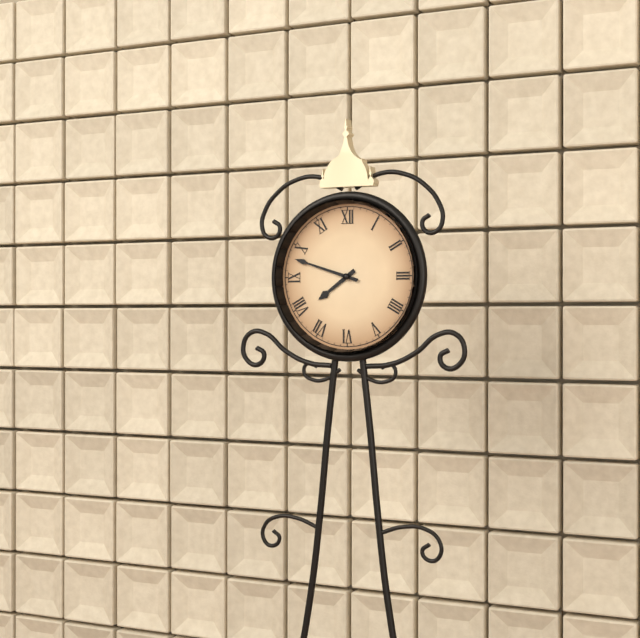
**7:48**
